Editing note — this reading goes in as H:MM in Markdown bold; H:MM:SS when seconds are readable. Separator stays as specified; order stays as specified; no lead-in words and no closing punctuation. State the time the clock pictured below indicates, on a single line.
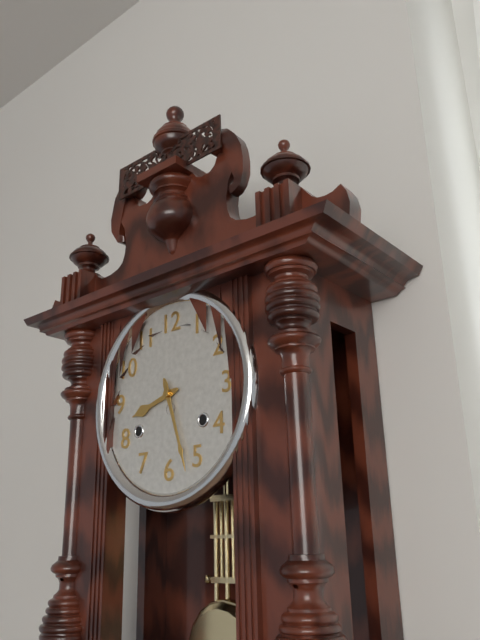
**8:27**
